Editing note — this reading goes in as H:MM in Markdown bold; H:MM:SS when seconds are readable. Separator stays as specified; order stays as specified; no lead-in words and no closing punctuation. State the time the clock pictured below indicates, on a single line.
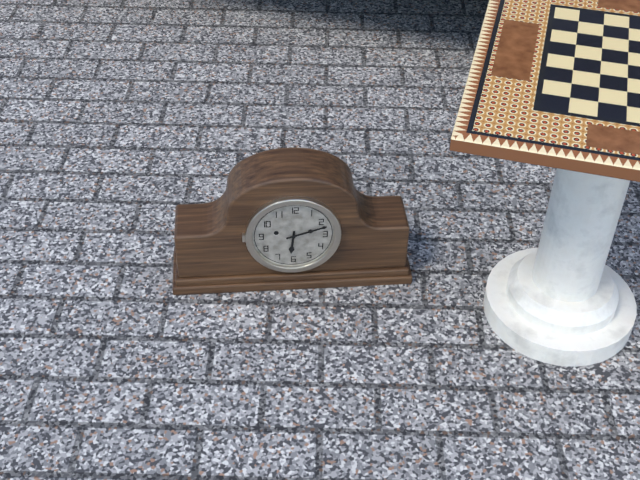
**6:12**
